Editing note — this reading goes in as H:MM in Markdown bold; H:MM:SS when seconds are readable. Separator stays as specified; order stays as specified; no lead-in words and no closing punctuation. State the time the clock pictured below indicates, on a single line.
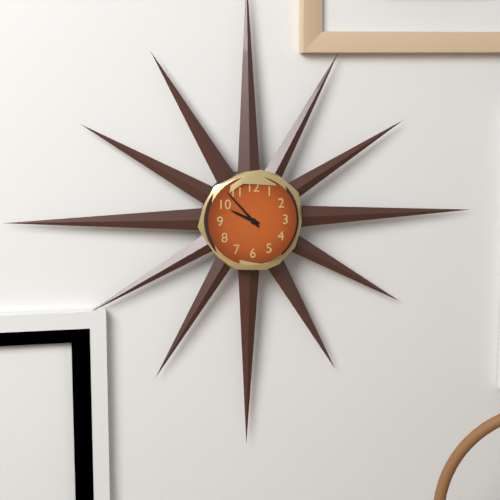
**9:53**
